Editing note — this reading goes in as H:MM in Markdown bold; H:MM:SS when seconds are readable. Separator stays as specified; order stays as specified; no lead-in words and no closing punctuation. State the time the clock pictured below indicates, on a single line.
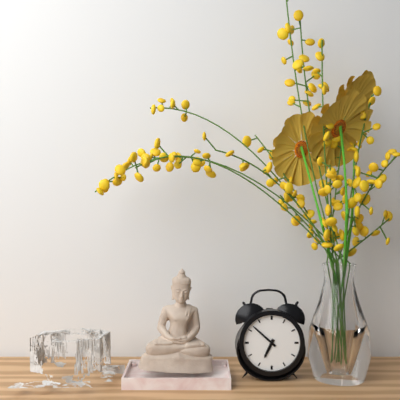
**6:52**
